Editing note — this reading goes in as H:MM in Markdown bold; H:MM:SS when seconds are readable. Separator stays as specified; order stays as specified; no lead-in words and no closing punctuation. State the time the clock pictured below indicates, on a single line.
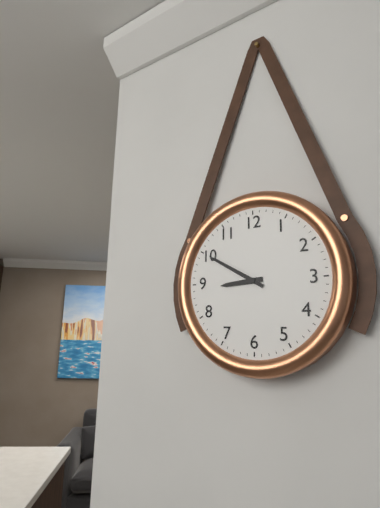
**8:50**
